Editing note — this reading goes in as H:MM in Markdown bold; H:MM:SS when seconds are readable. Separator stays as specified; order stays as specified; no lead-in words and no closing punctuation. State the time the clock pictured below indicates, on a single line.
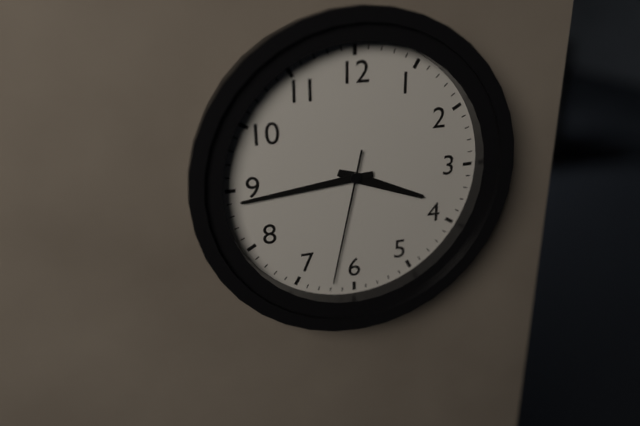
**3:44:32**
